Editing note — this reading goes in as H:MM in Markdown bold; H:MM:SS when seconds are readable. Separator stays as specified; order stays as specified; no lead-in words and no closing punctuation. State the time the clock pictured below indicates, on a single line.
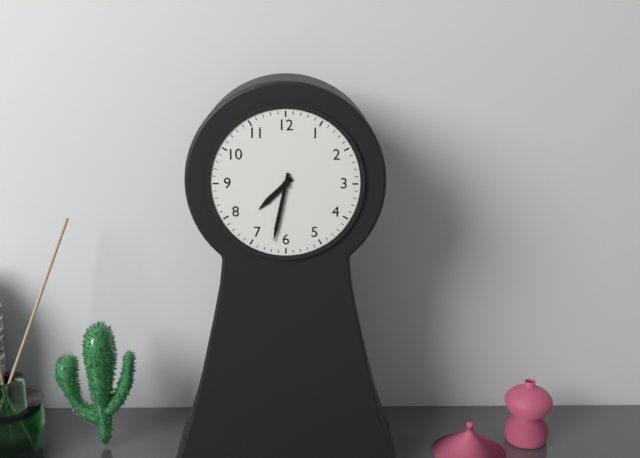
**7:32**
